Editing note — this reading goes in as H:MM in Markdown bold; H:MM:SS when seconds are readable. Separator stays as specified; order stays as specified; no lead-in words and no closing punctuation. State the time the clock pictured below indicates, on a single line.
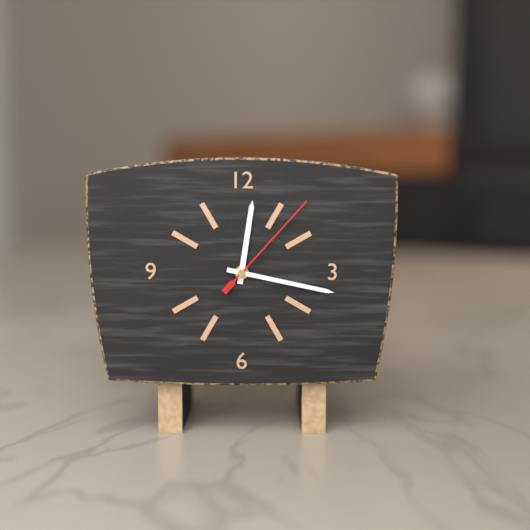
**12:17:07**
